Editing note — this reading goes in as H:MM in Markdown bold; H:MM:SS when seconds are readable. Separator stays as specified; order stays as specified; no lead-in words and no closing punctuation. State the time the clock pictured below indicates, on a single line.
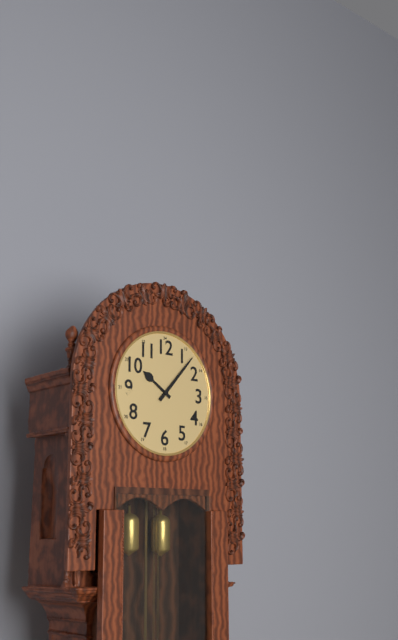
**10:07**
